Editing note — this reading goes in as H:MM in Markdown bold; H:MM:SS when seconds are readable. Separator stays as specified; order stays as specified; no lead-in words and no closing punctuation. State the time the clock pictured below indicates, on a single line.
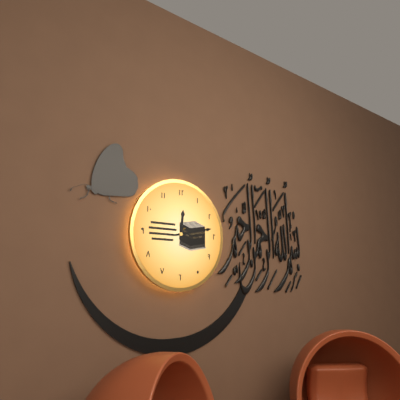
**12:13**
